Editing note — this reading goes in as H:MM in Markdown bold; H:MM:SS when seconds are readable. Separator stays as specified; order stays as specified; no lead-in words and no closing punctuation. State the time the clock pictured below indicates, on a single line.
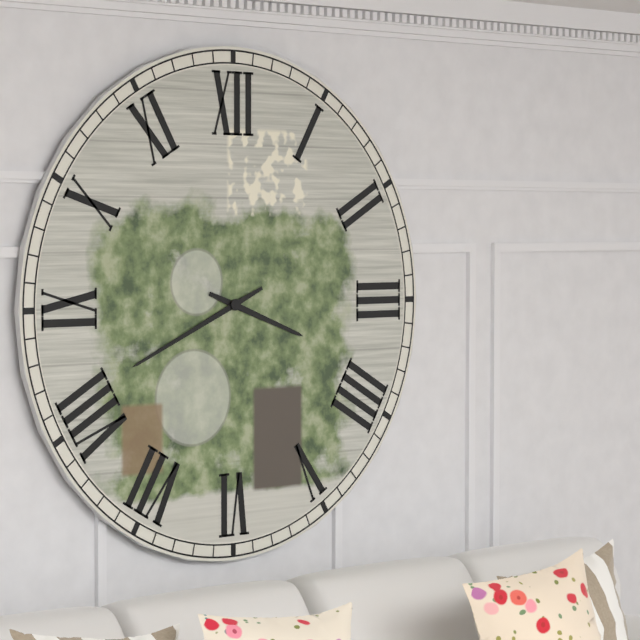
**3:41**
